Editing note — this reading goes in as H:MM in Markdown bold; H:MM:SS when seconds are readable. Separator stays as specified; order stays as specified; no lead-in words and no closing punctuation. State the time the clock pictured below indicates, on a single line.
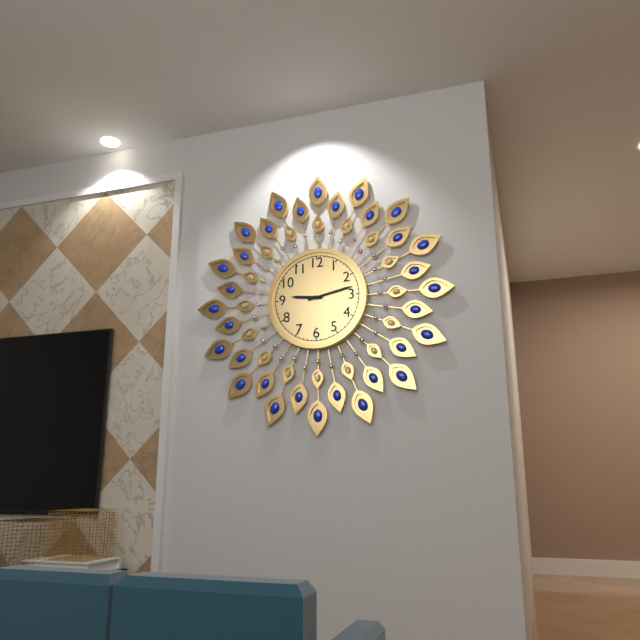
**9:13**
